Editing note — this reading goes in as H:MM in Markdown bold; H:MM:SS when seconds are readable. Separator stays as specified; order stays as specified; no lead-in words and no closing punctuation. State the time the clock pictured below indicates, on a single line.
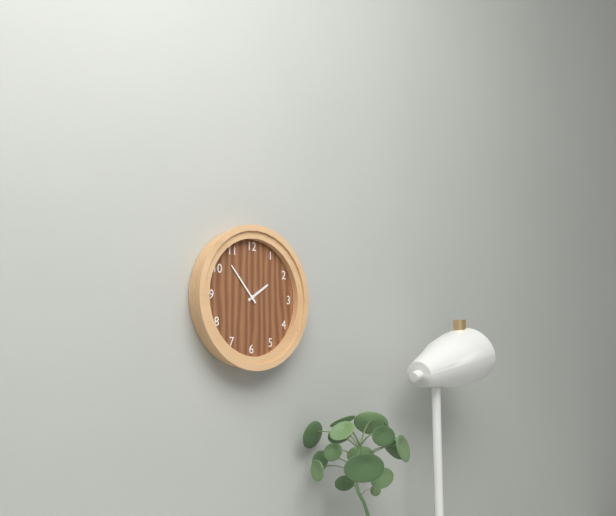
**1:53**
